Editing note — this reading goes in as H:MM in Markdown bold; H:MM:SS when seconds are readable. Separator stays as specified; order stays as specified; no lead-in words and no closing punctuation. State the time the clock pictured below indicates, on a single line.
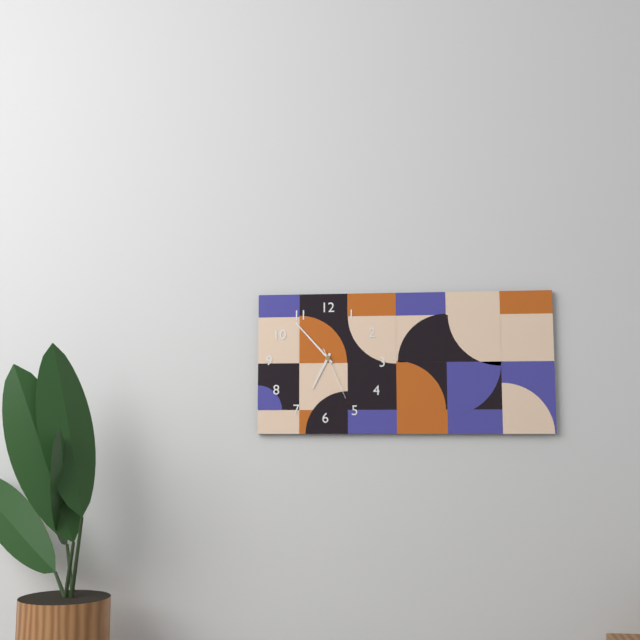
**6:53:26**
